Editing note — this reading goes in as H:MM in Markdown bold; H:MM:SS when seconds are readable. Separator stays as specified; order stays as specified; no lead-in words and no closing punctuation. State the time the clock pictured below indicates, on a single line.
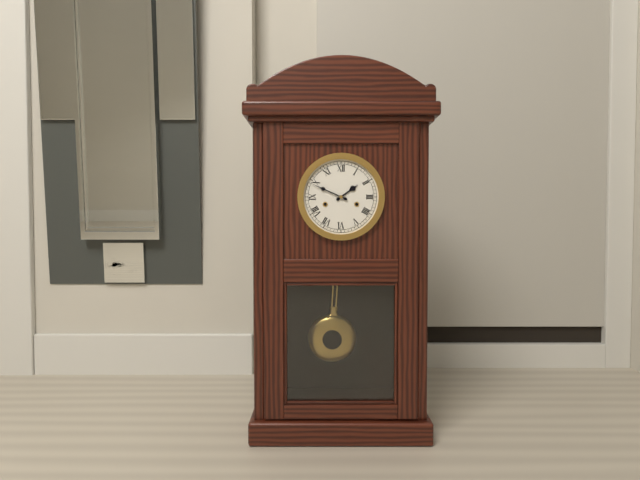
**1:49**
